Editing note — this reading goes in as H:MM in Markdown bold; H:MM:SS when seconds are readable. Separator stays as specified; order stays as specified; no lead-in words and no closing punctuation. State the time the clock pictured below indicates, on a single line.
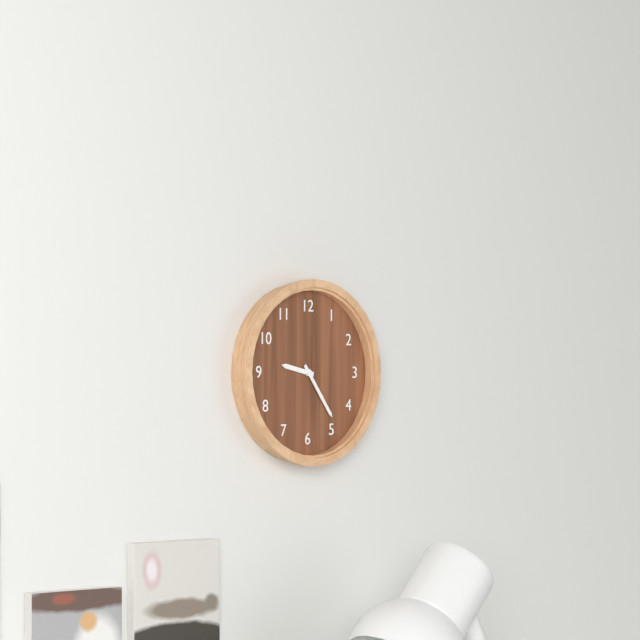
**9:24**
